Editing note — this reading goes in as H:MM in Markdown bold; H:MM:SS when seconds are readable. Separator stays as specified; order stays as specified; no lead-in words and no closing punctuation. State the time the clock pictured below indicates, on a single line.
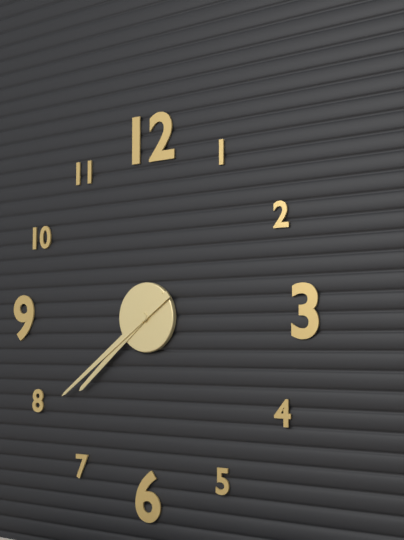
**7:39**
